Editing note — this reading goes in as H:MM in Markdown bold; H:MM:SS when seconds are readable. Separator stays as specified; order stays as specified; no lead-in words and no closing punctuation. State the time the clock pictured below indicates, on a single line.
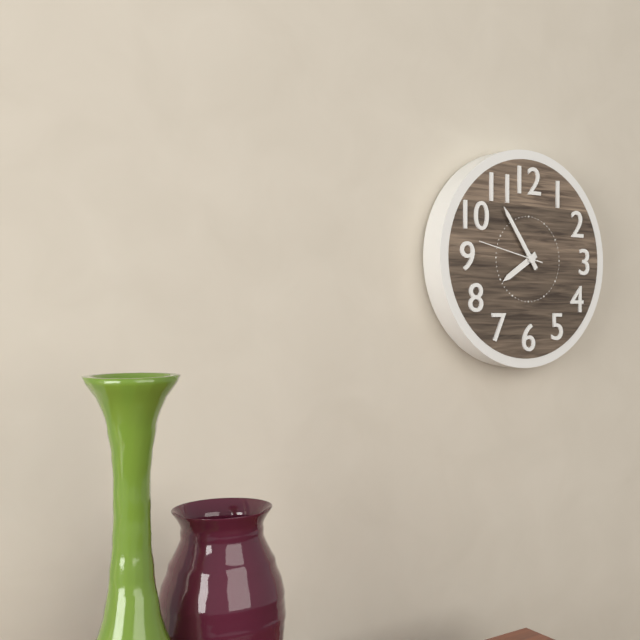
**7:54:47**
